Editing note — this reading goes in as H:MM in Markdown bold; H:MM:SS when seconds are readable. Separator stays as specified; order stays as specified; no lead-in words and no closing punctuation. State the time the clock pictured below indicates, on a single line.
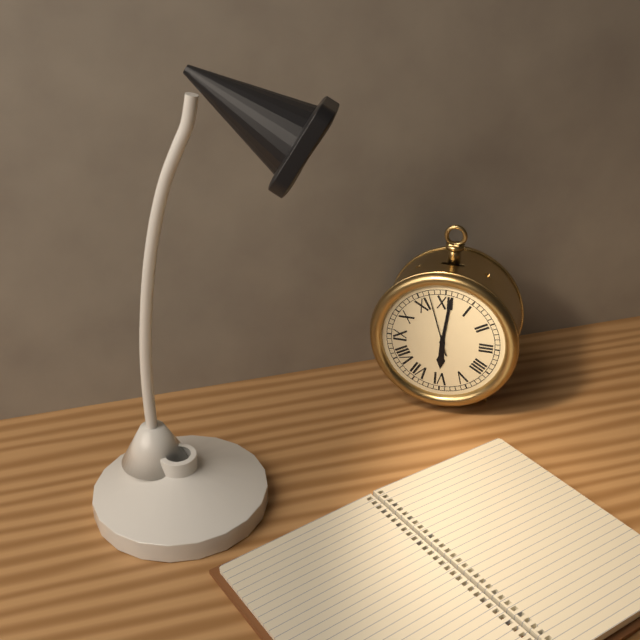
**6:01:57**
